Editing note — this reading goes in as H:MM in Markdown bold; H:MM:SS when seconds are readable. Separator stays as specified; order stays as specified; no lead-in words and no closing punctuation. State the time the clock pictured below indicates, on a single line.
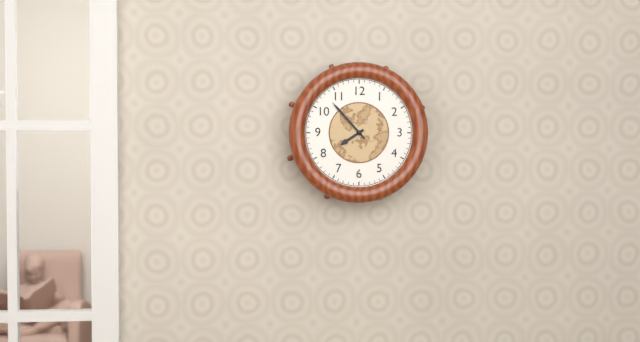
**7:53**
